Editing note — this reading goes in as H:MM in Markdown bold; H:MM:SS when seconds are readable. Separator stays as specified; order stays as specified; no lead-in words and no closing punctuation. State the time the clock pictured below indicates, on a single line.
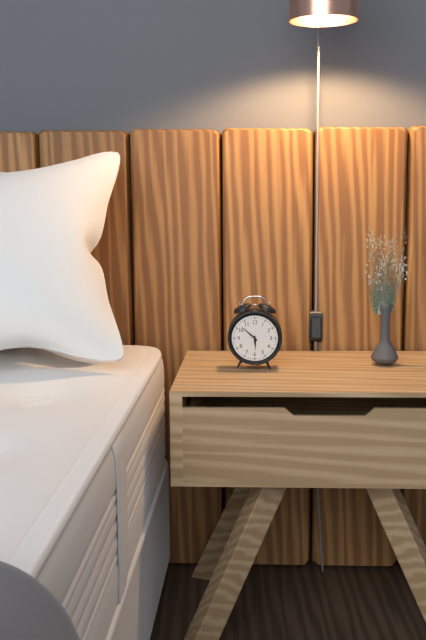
**5:52**
